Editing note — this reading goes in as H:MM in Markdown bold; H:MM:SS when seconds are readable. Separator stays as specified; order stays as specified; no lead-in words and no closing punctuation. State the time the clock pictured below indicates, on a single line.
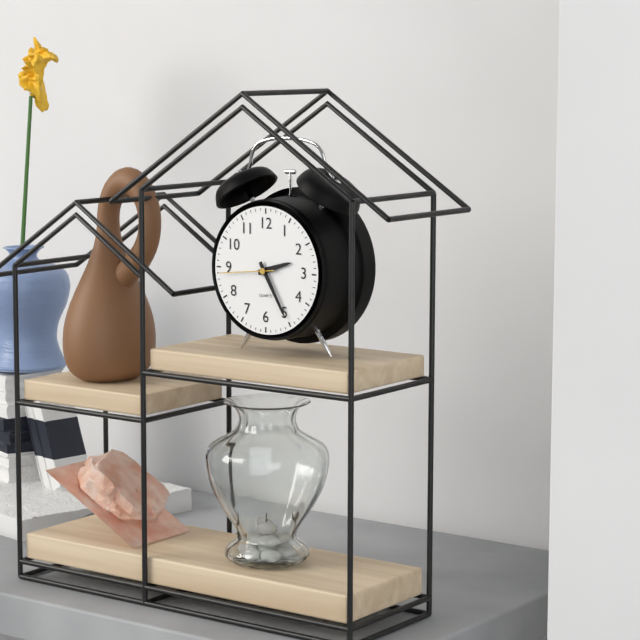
**2:25:44**
